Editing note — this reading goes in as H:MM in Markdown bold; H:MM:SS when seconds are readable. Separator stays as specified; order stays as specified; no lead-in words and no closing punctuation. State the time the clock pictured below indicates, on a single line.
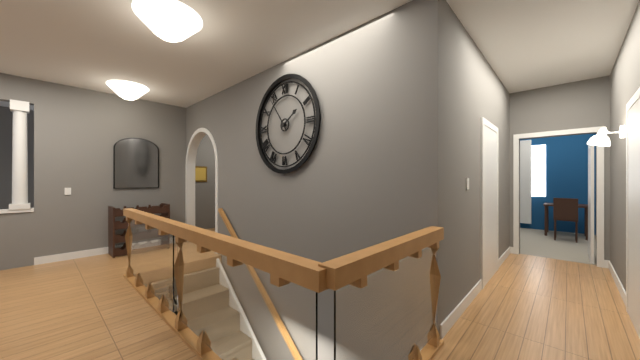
**1:54**
